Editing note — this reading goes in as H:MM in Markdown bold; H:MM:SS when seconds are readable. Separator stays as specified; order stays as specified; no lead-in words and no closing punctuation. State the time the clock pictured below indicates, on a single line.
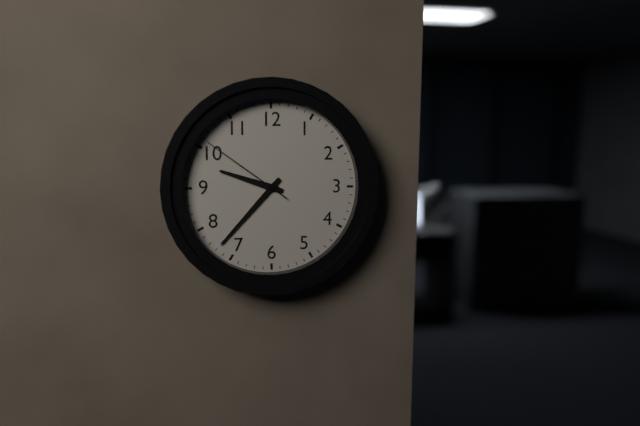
**9:37:51**
